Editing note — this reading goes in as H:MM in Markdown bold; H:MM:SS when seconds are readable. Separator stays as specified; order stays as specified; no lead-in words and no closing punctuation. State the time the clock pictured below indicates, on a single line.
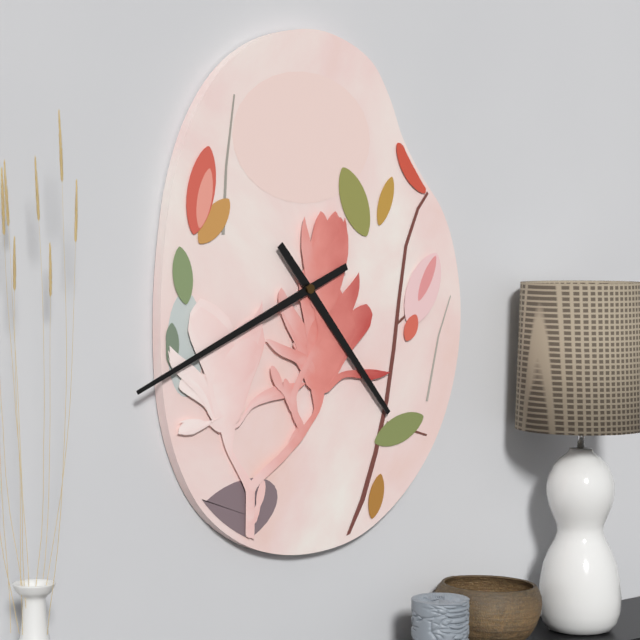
**4:41**
